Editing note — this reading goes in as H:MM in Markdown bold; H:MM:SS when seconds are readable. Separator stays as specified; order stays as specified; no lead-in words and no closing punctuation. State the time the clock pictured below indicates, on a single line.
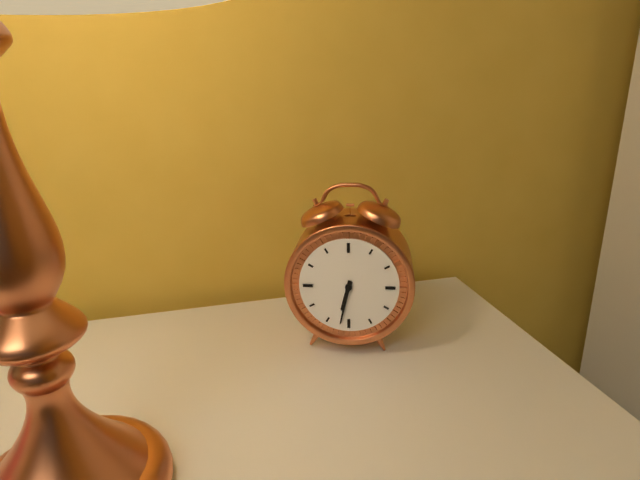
**6:32**
